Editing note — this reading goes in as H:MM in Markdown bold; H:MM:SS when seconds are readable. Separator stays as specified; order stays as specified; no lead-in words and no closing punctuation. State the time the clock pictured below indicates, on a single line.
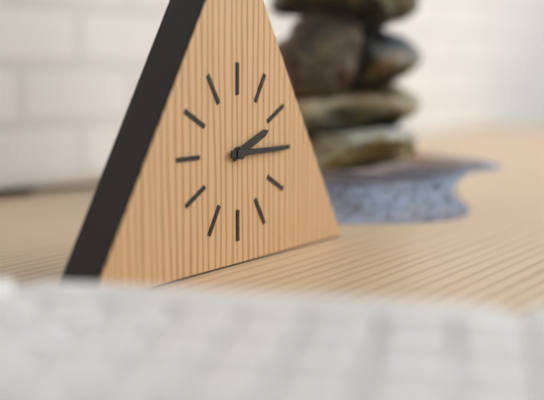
**2:15**
